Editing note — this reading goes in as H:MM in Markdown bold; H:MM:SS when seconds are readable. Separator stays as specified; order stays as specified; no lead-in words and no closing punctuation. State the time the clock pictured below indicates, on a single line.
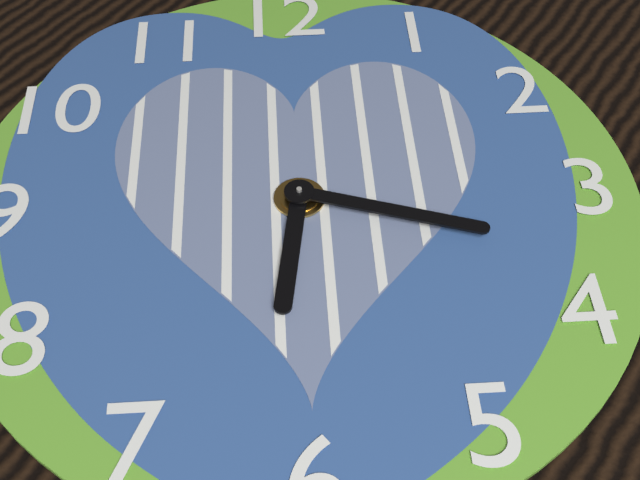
**6:18**
